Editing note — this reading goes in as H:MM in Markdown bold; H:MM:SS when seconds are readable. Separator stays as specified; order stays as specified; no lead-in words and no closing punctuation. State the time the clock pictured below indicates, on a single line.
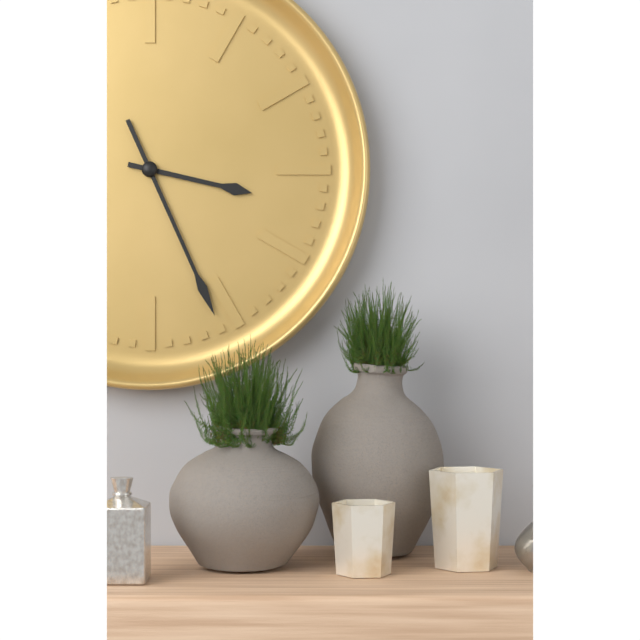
**3:26**
